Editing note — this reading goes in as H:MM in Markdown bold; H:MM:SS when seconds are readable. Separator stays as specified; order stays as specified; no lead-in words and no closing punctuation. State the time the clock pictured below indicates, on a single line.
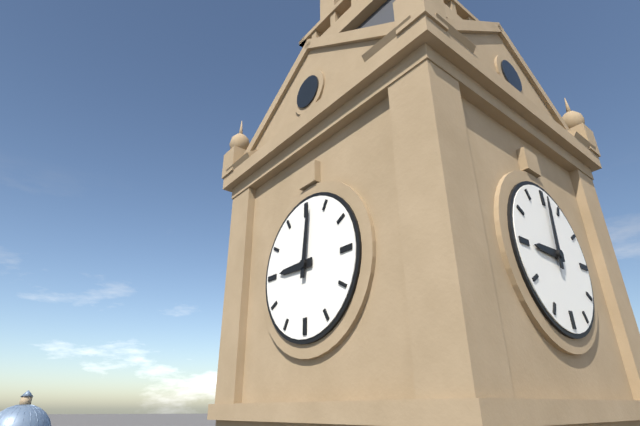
**9:01**
